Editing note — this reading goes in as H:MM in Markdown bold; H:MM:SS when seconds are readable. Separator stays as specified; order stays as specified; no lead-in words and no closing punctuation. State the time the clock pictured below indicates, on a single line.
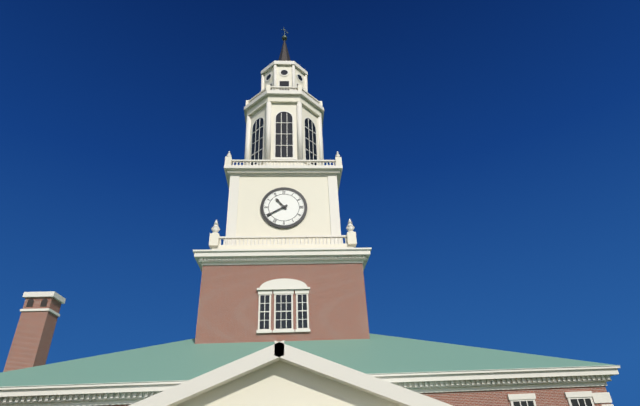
**10:40**
